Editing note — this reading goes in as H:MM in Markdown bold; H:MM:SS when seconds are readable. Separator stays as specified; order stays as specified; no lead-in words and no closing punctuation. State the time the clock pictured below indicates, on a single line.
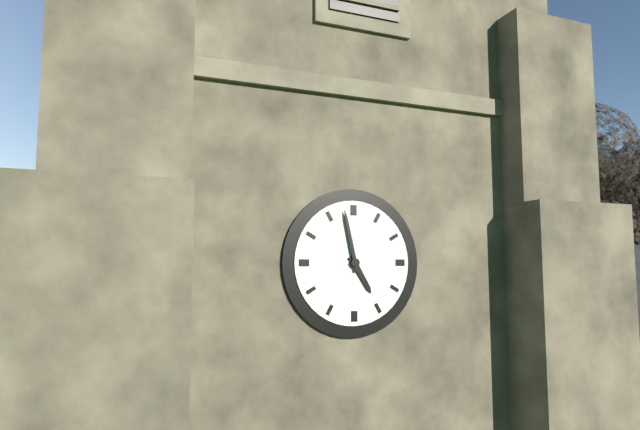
**4:58**
